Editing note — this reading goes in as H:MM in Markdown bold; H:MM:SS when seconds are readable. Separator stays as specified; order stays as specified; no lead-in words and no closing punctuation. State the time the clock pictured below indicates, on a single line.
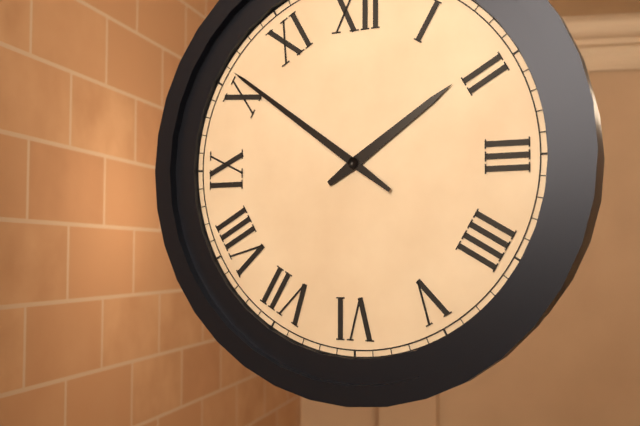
**1:51**
